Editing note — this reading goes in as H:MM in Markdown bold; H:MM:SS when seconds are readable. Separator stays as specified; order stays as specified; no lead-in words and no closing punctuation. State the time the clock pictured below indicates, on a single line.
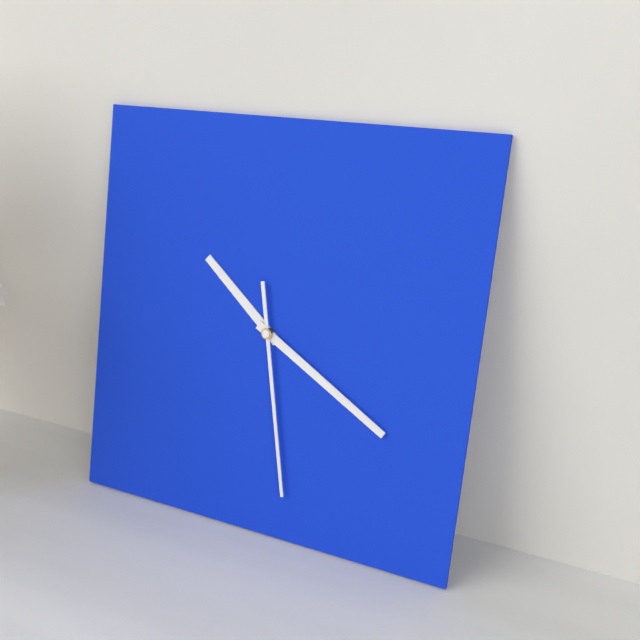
**10:20:28**
